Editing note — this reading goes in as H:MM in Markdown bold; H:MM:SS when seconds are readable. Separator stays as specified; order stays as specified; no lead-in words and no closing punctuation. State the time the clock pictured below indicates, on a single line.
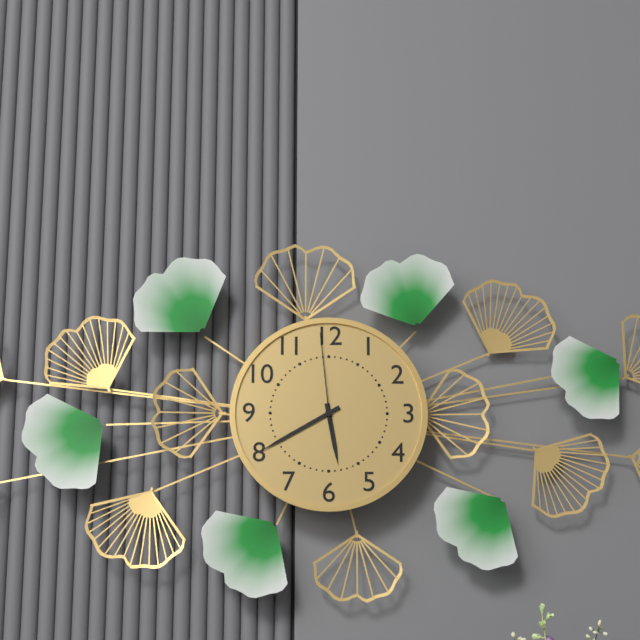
**5:40:59**
